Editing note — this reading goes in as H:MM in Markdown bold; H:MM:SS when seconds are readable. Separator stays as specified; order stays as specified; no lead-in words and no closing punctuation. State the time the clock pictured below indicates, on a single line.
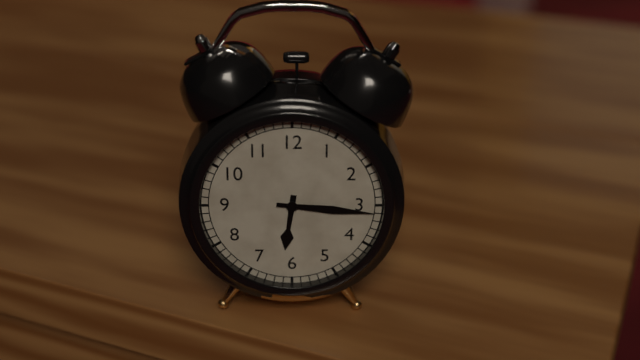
**6:16**
